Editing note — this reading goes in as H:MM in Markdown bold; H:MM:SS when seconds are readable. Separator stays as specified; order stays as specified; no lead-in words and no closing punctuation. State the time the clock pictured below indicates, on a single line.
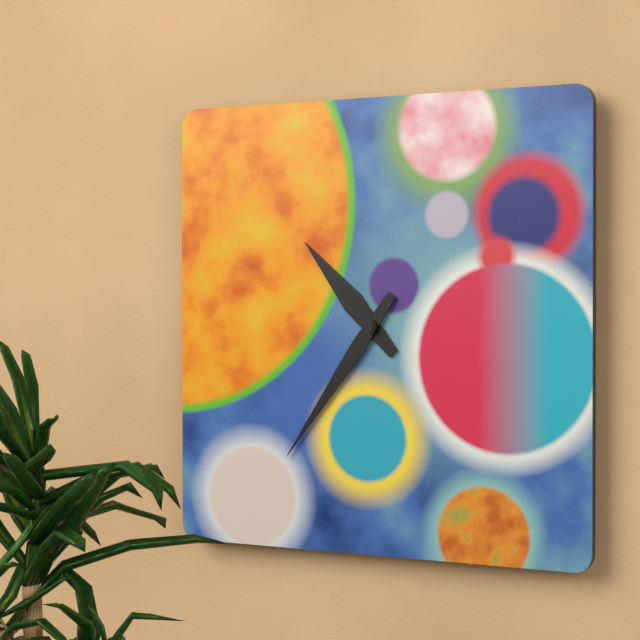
**10:36**
